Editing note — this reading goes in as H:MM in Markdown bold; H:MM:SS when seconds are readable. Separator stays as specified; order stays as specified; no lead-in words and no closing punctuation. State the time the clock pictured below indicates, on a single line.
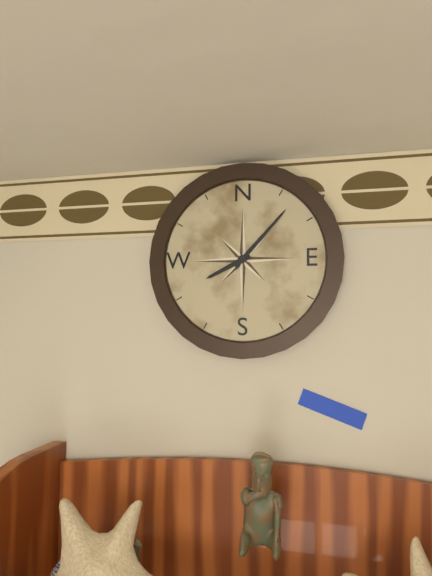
**8:07**
